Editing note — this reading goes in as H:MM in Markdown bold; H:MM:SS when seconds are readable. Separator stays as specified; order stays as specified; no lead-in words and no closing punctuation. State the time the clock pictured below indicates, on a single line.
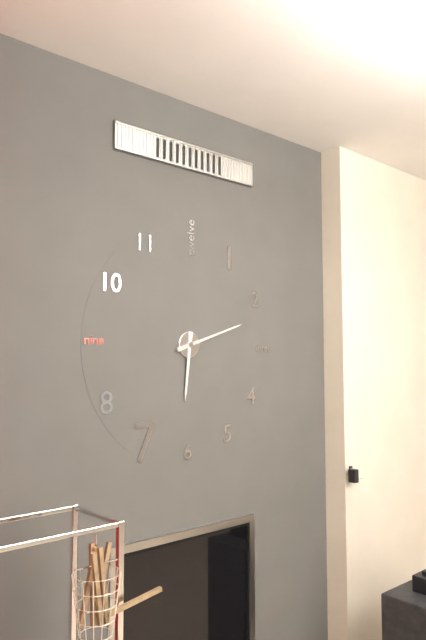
**6:12**
